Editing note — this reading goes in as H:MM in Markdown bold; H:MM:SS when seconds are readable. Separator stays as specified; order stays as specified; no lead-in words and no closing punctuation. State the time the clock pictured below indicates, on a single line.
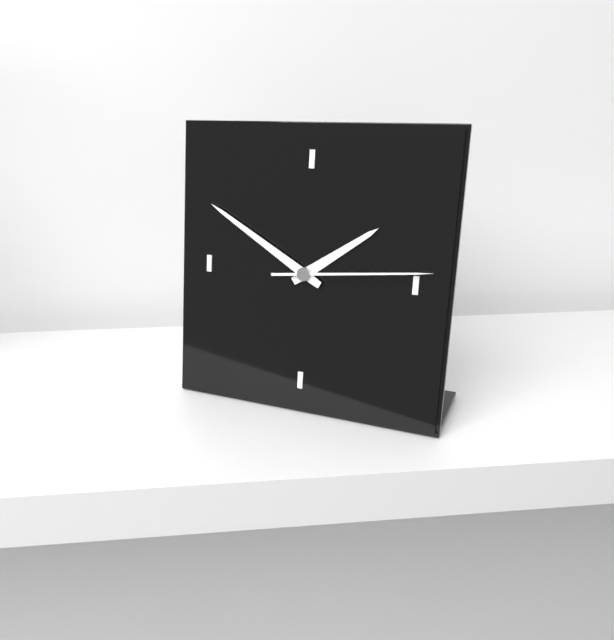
**1:50:14**
